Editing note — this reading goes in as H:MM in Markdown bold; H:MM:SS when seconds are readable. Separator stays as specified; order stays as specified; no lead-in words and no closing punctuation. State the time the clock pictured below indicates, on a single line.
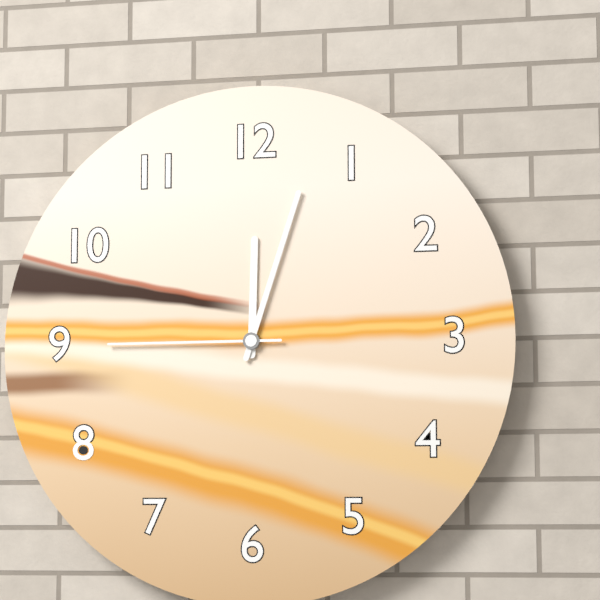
**12:03:45**
